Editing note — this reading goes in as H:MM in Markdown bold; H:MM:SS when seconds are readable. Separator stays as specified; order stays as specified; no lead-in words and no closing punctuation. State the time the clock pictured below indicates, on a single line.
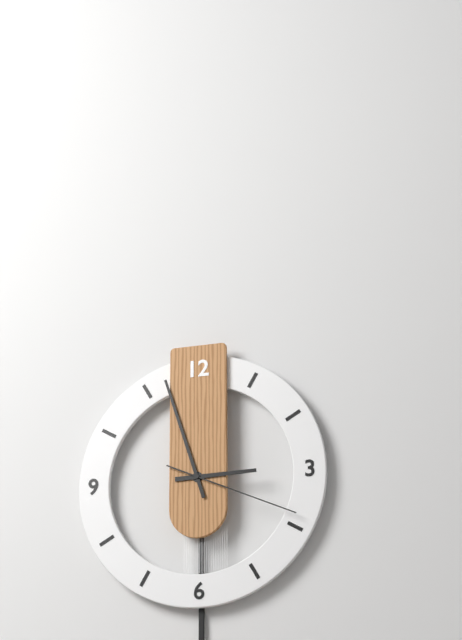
**2:57:19**
